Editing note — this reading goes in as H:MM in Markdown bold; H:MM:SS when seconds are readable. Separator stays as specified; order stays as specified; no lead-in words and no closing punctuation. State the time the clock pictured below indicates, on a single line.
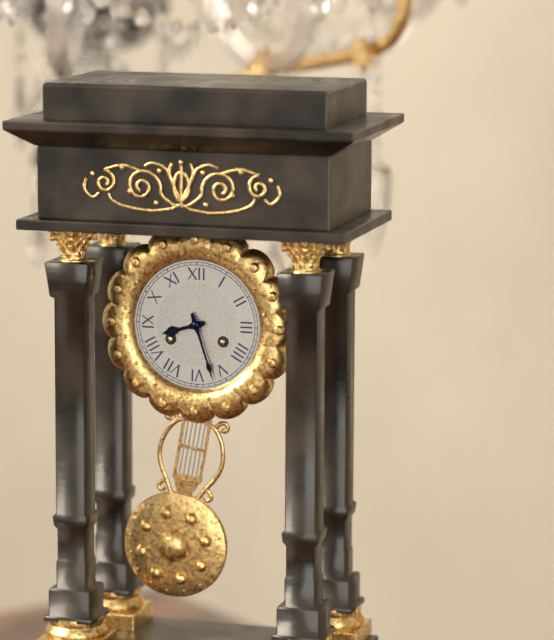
**8:27**
